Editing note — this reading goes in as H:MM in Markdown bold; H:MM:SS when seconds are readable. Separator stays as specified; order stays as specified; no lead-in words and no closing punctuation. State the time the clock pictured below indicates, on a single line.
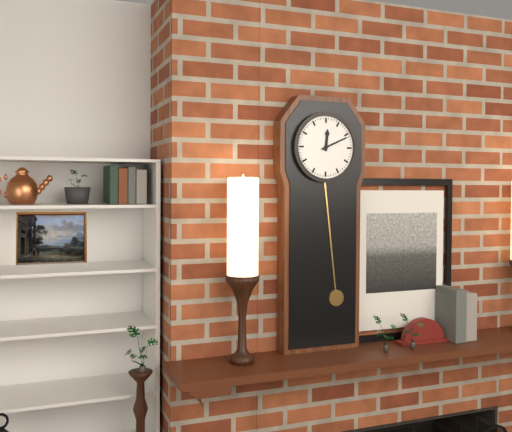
**12:11**
